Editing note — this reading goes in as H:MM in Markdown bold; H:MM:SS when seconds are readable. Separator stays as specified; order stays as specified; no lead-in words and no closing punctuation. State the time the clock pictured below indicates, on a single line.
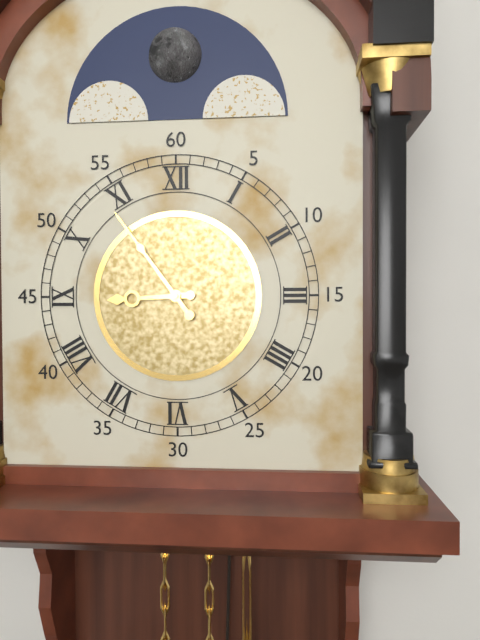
**8:54**
